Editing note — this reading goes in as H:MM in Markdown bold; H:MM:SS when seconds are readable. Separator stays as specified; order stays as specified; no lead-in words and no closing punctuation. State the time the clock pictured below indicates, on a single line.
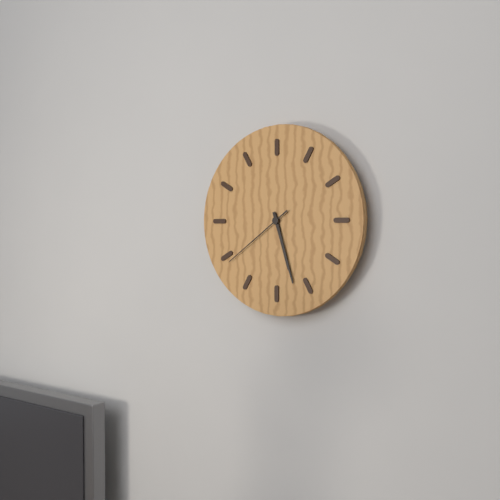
**5:27:39**
